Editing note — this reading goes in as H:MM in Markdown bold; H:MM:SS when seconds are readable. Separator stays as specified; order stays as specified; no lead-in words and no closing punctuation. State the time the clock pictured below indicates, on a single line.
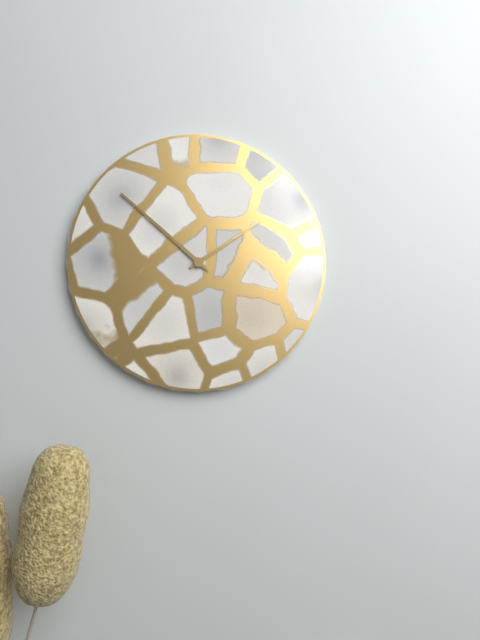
**1:52**
